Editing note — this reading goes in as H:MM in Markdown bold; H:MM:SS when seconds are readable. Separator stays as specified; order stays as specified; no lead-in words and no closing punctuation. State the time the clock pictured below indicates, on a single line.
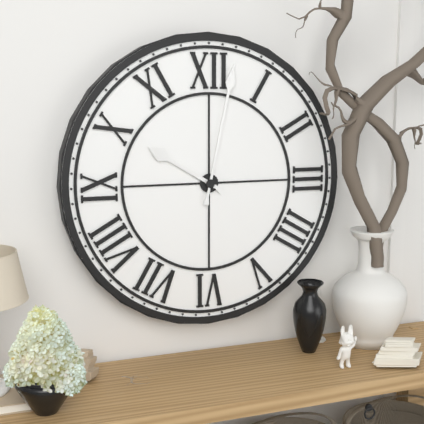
**10:02**
